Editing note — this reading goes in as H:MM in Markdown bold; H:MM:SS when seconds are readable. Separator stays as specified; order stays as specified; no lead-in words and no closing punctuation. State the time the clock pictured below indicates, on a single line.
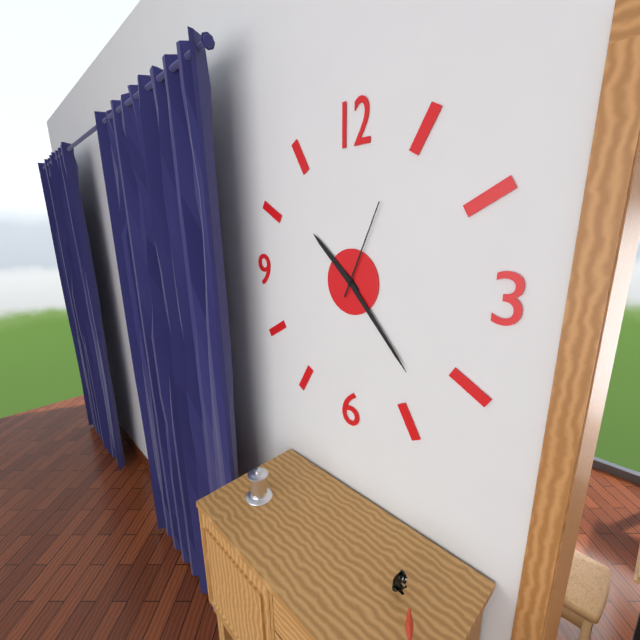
**10:23:04**
